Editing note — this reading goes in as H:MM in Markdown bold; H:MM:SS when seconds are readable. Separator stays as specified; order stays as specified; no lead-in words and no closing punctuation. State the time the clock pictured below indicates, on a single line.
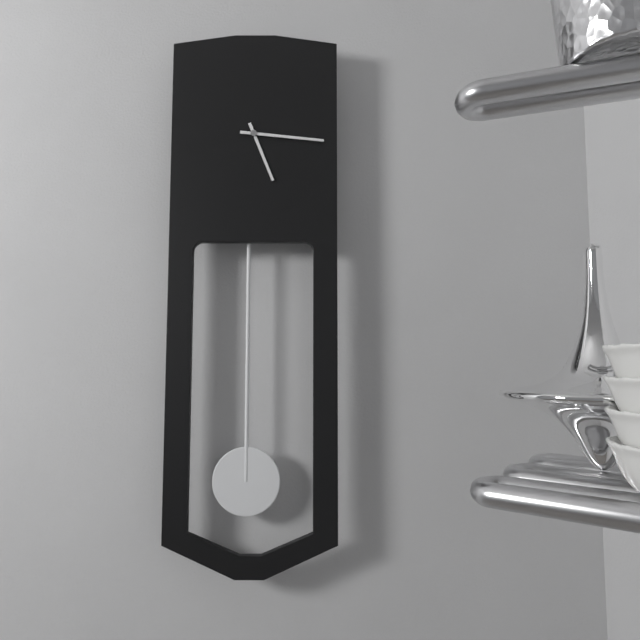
**5:16**
